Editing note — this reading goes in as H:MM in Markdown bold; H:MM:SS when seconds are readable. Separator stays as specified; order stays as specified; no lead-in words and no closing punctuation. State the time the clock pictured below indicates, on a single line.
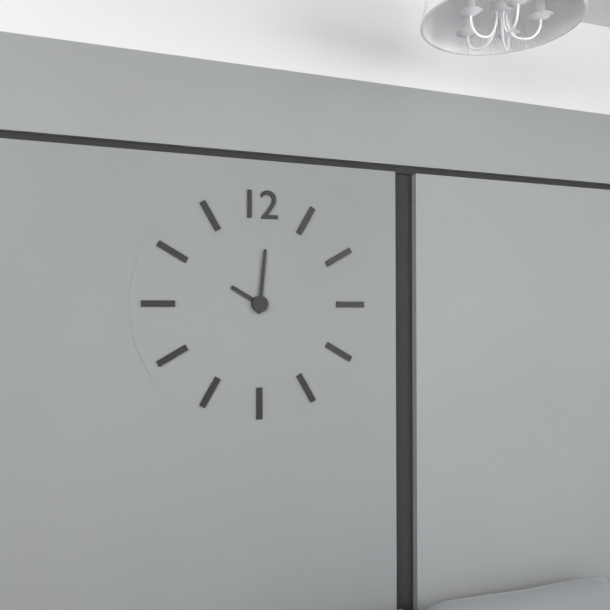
**10:01**
